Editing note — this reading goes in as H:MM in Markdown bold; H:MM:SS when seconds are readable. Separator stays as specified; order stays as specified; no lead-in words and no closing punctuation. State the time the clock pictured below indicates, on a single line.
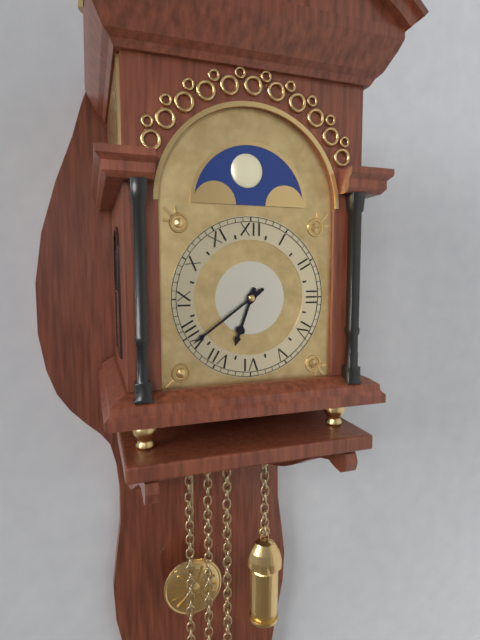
**6:39**
